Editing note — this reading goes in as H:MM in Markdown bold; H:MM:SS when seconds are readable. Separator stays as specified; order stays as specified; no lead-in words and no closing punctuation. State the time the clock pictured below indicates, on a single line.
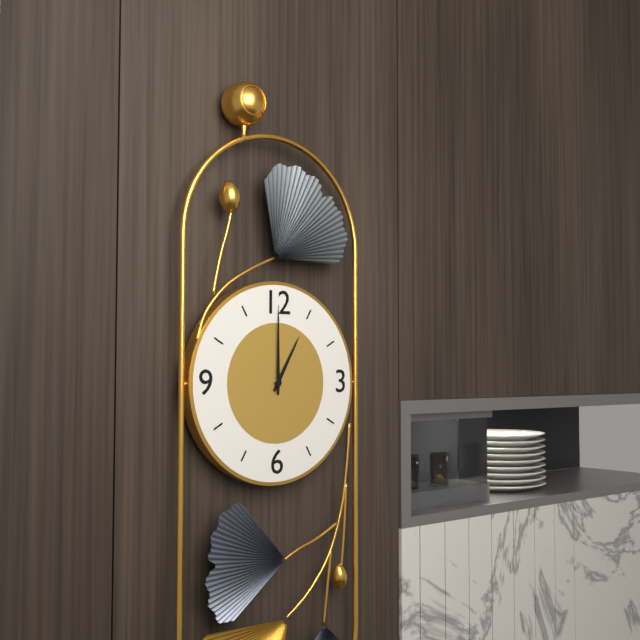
**1:00**
